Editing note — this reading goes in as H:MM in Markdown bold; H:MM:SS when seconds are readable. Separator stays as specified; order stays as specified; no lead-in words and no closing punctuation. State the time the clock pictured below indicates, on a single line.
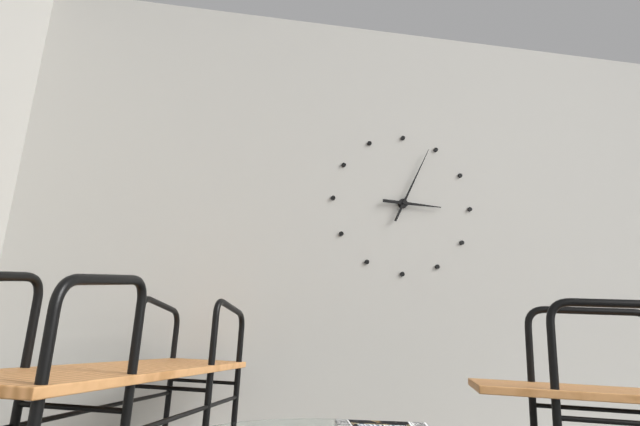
**3:04**
